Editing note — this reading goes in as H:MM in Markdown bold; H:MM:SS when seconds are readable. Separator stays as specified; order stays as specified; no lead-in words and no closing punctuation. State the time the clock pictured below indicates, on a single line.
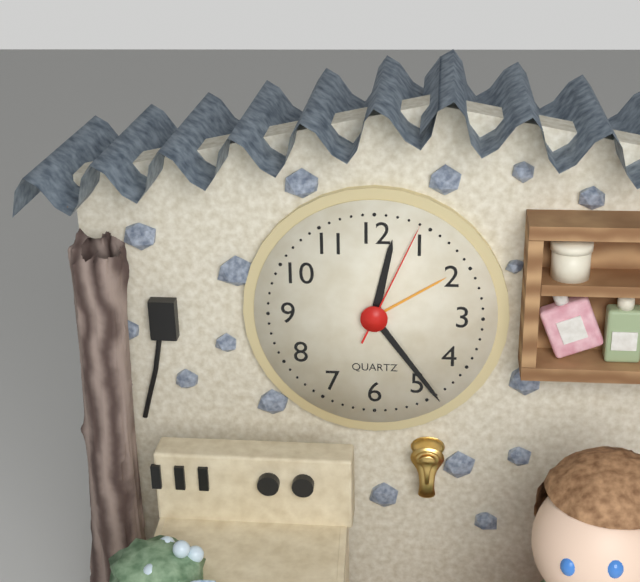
**12:24:04**
